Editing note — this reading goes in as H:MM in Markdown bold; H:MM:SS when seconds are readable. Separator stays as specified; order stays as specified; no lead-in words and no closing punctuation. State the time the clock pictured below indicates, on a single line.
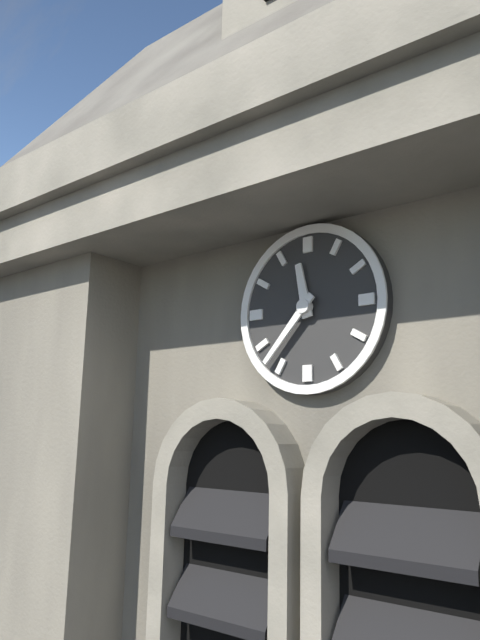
**11:37**
